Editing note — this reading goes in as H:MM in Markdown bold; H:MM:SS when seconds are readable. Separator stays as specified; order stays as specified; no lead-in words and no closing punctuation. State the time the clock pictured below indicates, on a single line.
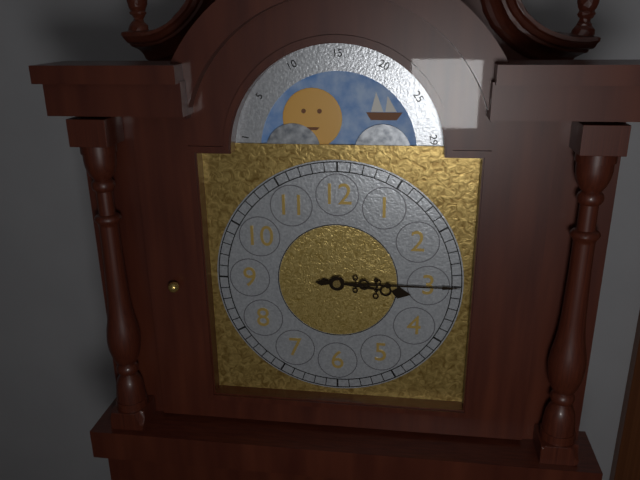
**3:15**
